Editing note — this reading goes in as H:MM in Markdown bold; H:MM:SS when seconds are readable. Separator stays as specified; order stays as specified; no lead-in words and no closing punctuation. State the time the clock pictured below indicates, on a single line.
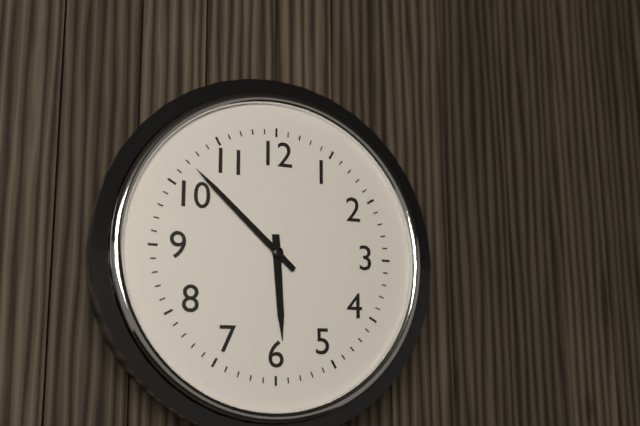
**5:52**
